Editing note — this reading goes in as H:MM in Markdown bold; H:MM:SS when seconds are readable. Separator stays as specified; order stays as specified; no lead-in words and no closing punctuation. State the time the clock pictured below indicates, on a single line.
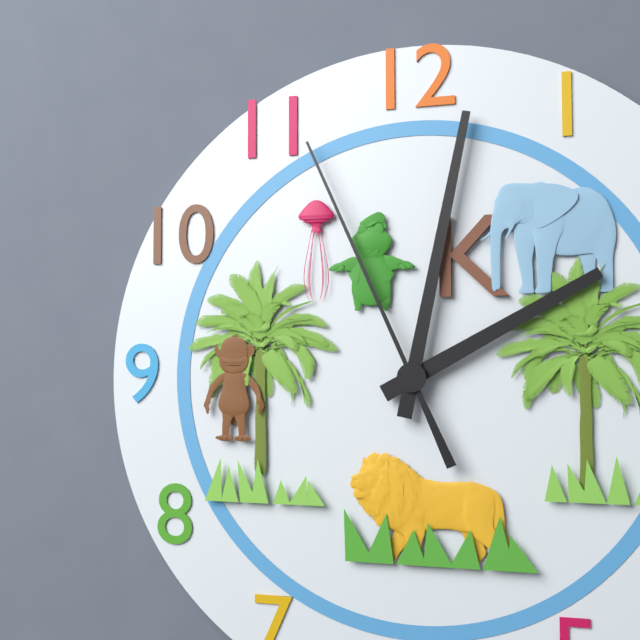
**2:02:56**
